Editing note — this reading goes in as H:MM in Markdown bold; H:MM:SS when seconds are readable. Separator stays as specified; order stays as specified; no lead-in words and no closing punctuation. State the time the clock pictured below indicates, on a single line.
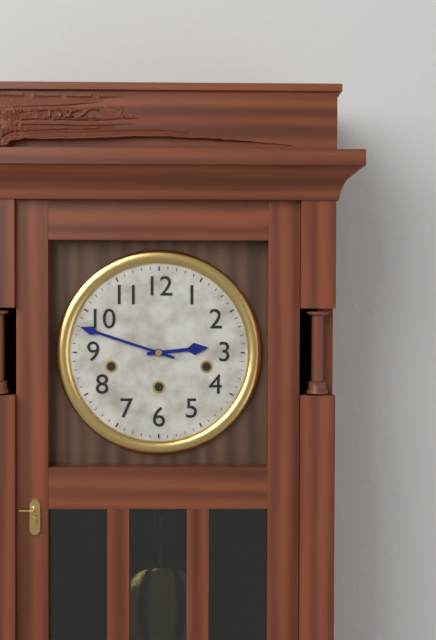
**2:48**
